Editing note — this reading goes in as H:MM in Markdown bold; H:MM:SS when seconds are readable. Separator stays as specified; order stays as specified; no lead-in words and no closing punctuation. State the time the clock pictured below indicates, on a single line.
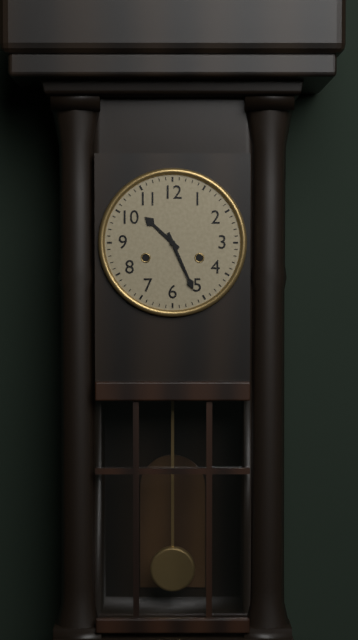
**10:26**
